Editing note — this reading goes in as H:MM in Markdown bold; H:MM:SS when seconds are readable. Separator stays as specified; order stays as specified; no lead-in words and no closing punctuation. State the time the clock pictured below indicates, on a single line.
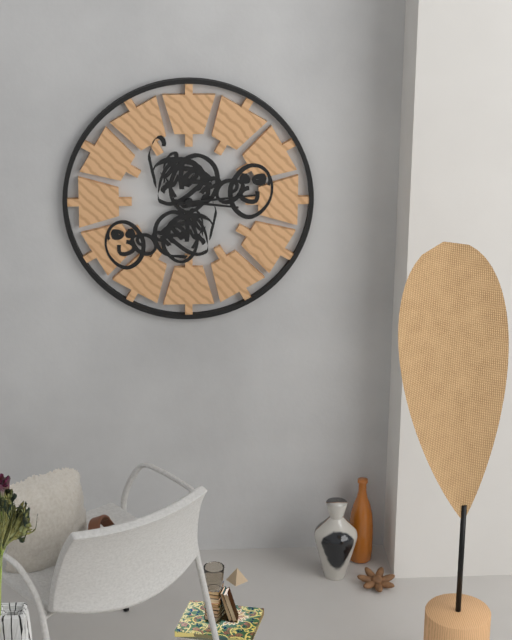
**3:14**
